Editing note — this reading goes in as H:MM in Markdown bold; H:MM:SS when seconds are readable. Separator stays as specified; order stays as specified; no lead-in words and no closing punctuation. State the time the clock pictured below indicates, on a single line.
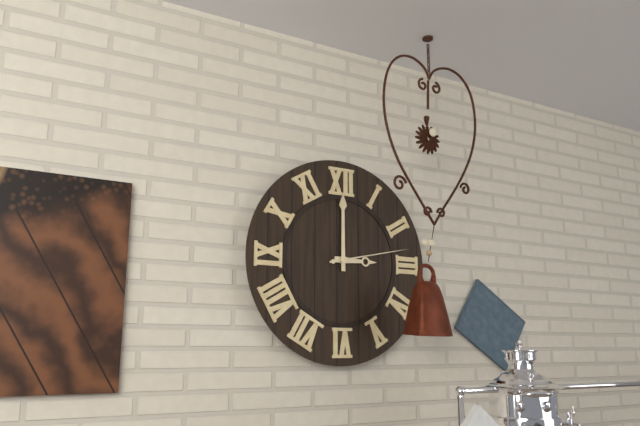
**3:00:13**
